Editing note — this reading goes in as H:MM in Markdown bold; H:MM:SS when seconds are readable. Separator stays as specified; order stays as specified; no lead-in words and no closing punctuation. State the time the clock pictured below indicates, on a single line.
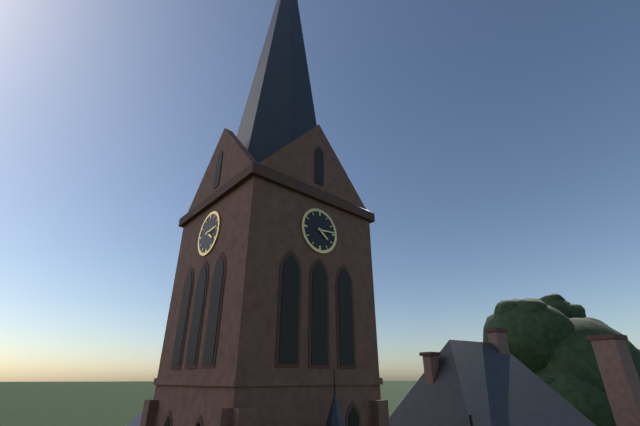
**4:14**
